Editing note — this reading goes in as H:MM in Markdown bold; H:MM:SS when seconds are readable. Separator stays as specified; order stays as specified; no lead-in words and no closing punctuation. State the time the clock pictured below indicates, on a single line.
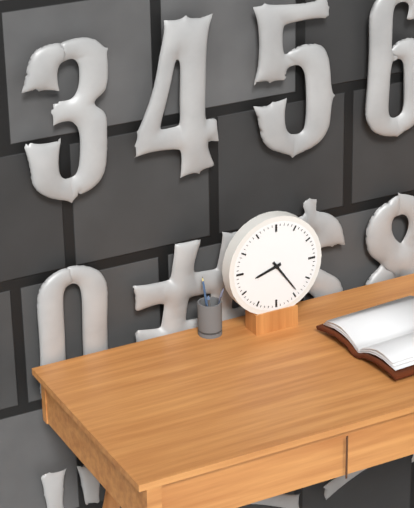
**8:24**
